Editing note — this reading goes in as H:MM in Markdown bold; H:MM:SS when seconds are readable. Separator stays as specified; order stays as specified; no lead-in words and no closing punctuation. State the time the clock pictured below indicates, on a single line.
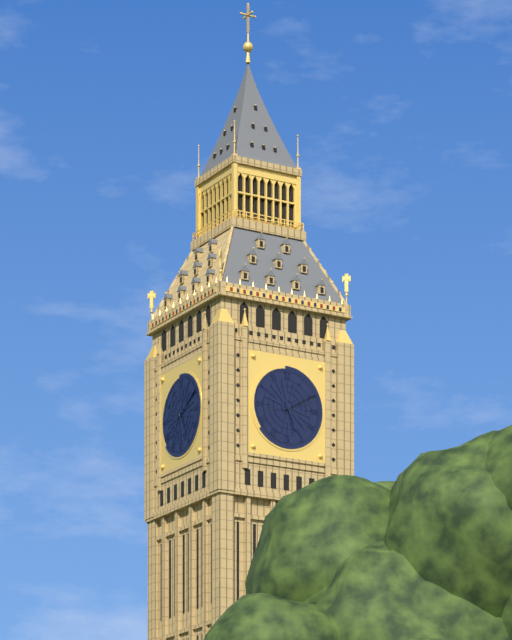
**5:10**
